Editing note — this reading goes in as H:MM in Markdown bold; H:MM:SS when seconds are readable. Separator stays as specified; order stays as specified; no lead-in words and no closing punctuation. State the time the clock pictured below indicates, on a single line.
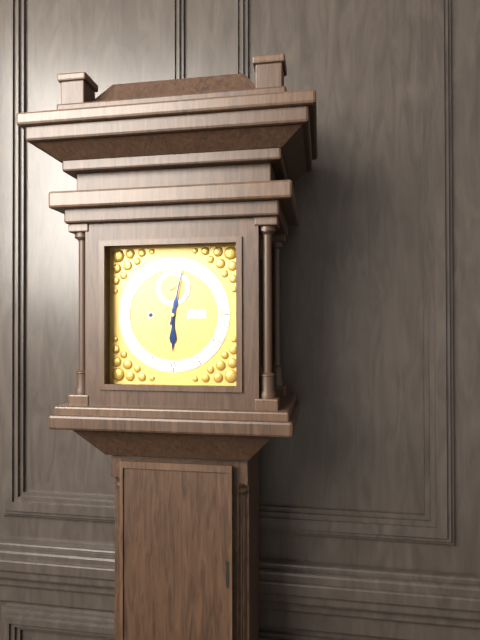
**6:02**
